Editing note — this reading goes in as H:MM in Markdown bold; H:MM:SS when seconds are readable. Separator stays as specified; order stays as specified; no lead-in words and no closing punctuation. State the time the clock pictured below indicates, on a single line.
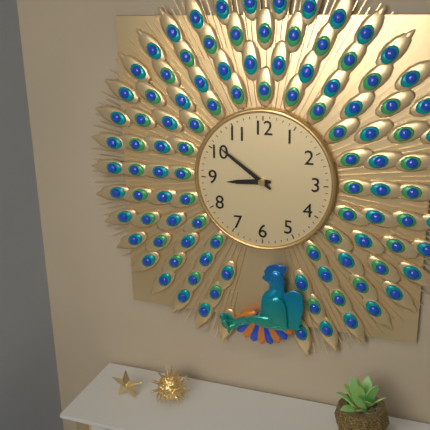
**8:51**
